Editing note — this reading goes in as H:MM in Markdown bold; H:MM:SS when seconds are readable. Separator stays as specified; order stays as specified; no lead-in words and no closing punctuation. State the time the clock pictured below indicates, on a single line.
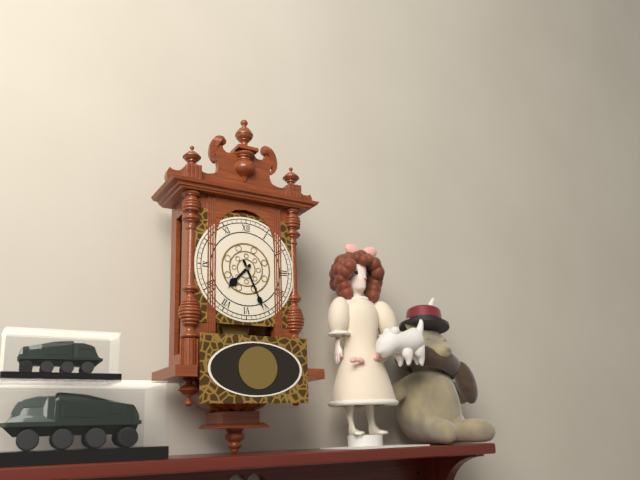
**7:26**
